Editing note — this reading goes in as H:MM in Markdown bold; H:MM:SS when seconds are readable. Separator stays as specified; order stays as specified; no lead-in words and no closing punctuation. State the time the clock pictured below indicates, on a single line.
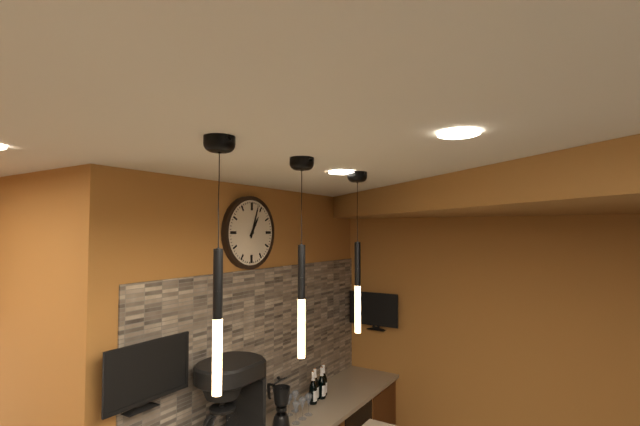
**1:03**
